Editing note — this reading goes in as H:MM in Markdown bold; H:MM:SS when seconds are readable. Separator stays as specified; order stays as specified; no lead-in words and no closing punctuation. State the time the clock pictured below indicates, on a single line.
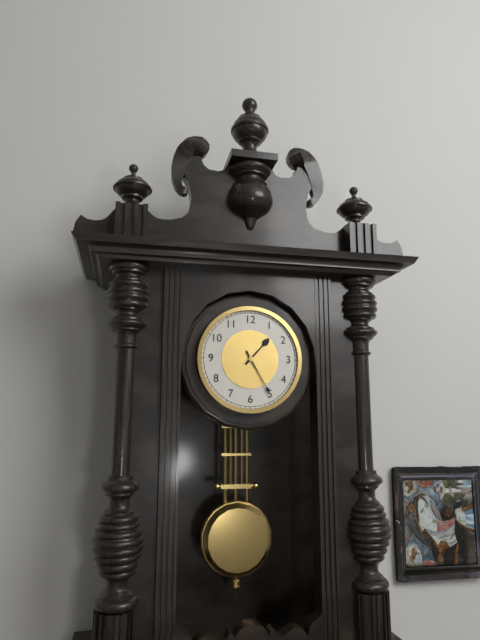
**1:25**
